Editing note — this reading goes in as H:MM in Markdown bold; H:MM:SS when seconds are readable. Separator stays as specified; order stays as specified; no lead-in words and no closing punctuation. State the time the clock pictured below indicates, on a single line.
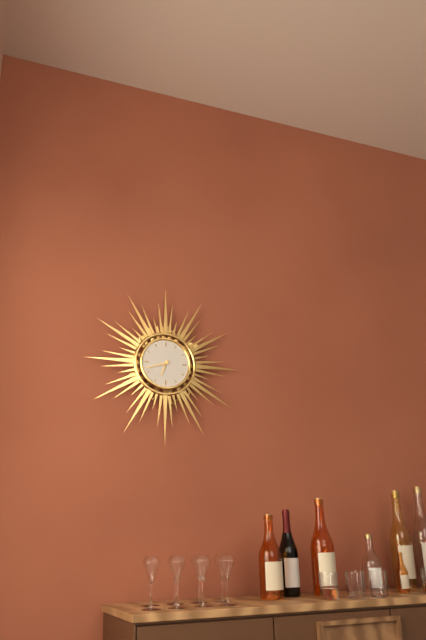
**6:42**
